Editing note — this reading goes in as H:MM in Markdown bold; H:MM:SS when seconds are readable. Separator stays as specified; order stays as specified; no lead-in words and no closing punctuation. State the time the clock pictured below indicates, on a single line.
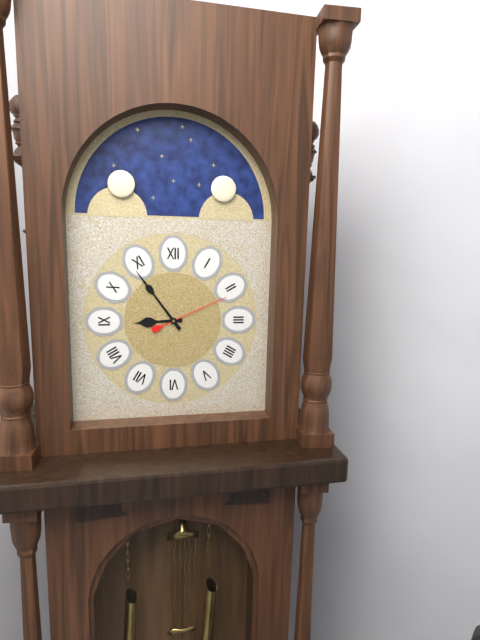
**8:54:11**
